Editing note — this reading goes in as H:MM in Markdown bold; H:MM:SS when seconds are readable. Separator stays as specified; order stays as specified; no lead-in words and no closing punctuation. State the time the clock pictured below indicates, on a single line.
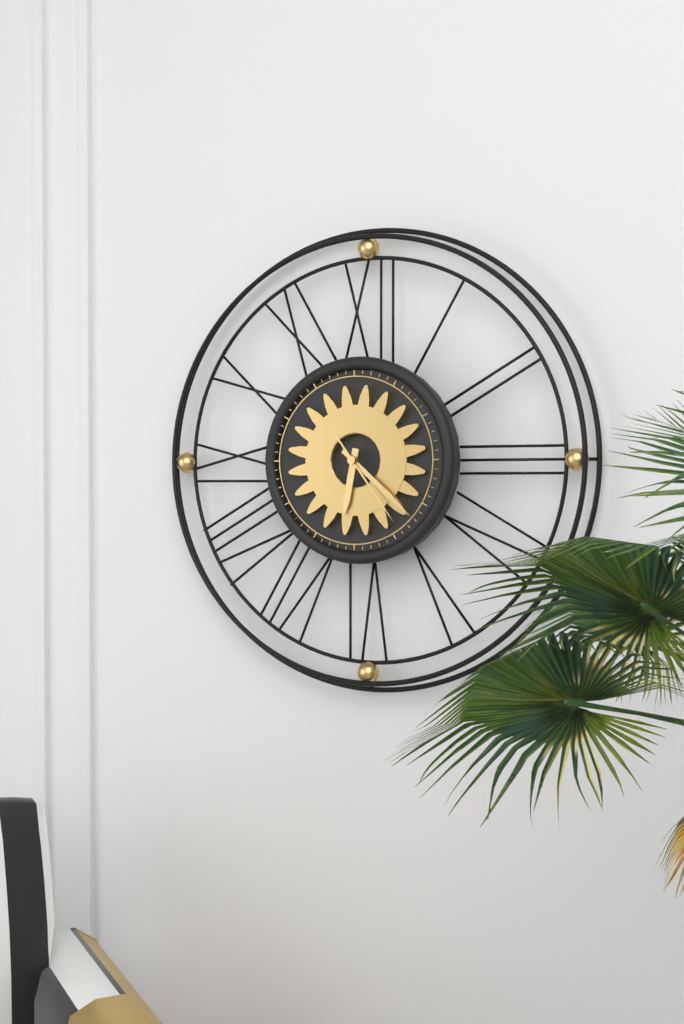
**6:22:24**
